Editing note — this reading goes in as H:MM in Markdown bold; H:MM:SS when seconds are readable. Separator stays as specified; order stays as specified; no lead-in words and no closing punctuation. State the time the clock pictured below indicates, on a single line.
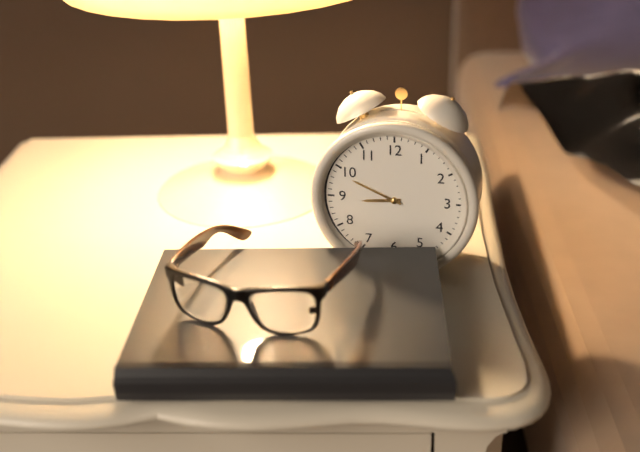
**8:49**
